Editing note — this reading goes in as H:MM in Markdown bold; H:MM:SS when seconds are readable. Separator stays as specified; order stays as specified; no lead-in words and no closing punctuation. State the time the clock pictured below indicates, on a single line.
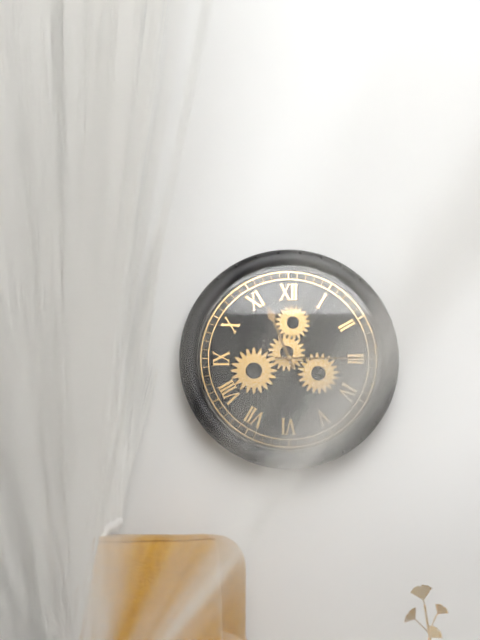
**11:15**
